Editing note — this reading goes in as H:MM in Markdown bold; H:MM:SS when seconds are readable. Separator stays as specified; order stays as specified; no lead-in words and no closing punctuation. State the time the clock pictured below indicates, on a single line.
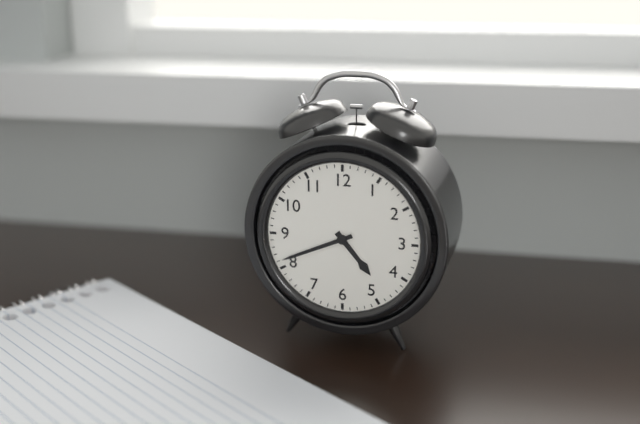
**4:41**
